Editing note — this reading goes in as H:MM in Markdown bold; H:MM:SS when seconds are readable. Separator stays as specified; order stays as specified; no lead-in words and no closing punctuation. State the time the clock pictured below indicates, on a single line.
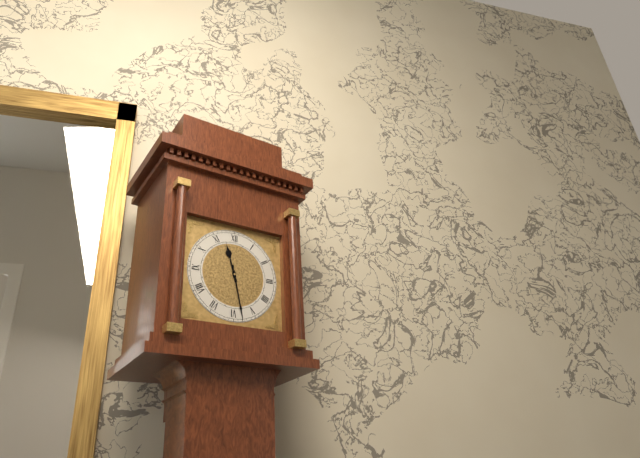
**11:28**
